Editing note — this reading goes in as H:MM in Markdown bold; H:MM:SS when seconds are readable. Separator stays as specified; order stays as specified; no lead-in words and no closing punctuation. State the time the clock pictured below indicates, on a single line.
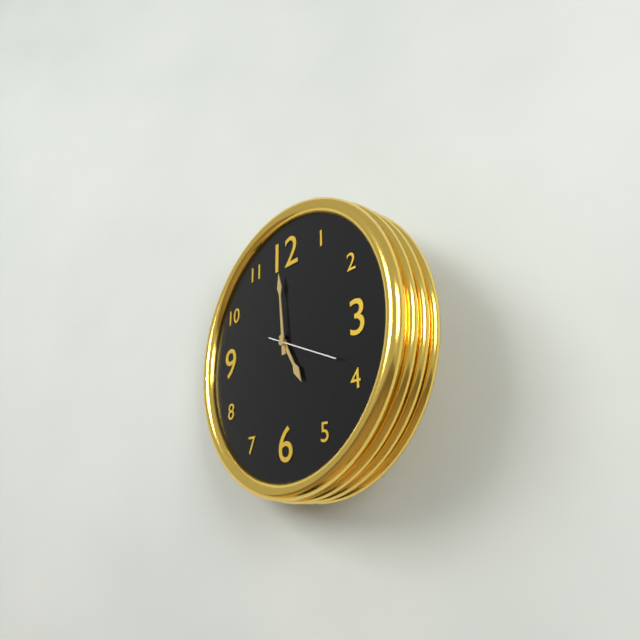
**4:59:19**
